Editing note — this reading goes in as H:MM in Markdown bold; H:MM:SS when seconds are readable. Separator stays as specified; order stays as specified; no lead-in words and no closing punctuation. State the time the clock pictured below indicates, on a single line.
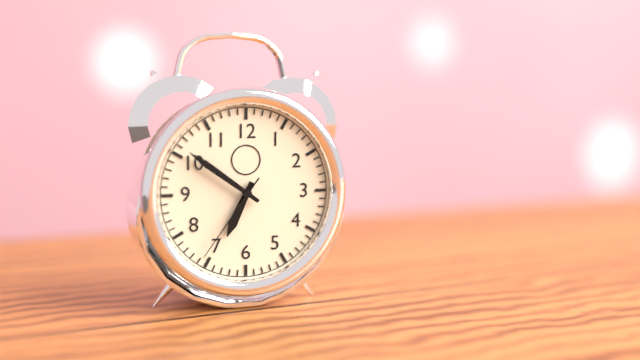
**6:51:36**
